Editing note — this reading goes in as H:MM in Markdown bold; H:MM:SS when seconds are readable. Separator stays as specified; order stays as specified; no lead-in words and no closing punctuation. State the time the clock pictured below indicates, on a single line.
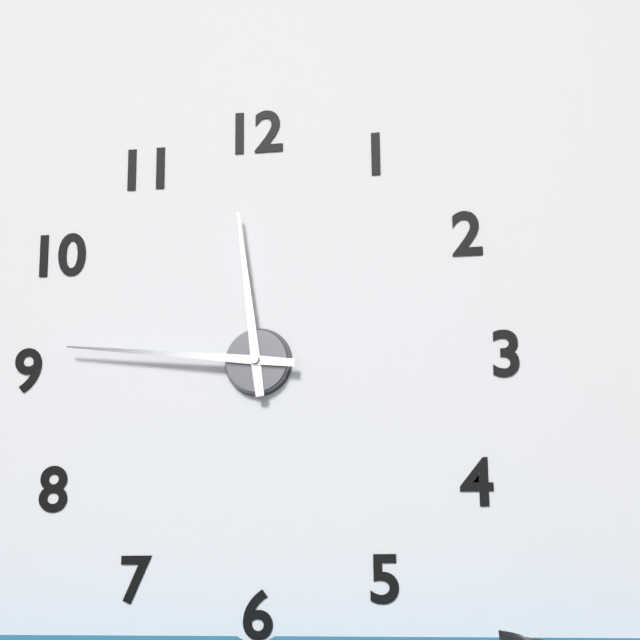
**11:46**
